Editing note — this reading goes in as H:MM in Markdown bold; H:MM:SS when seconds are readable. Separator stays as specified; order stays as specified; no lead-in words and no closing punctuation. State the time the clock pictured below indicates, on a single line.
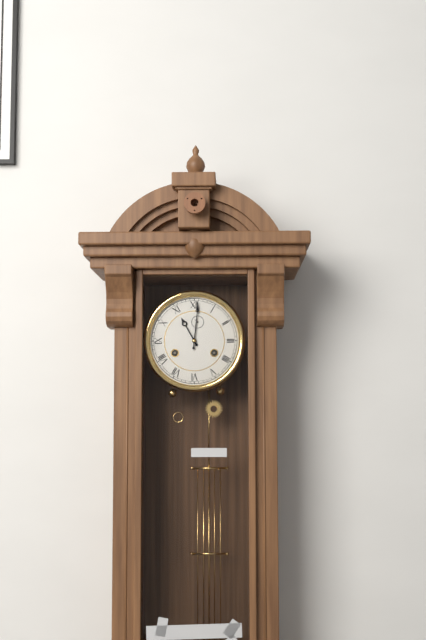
**11:01**
